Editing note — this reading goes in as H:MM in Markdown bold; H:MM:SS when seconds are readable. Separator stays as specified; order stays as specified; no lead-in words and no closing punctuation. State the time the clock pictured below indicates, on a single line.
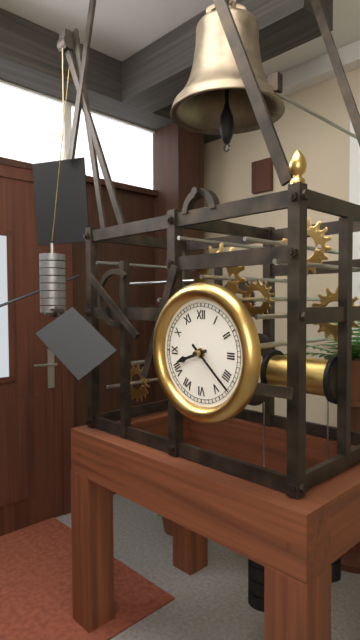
**8:22**
